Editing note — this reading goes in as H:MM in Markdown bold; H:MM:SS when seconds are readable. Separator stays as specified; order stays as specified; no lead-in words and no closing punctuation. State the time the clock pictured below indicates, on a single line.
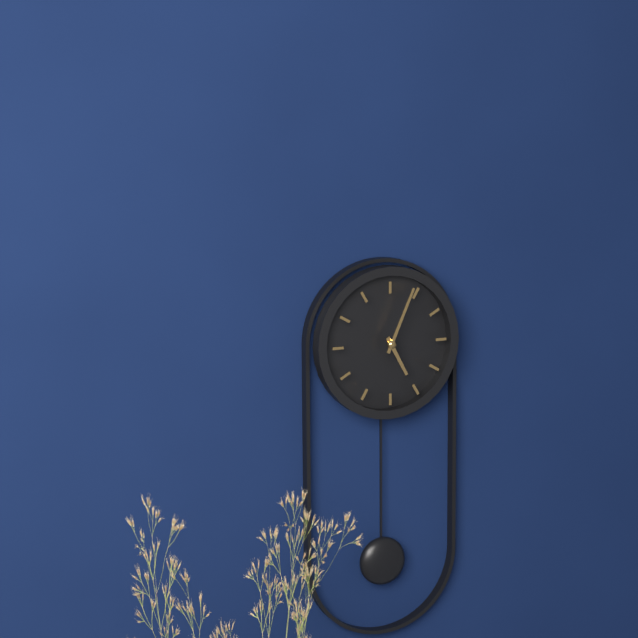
**5:04**
